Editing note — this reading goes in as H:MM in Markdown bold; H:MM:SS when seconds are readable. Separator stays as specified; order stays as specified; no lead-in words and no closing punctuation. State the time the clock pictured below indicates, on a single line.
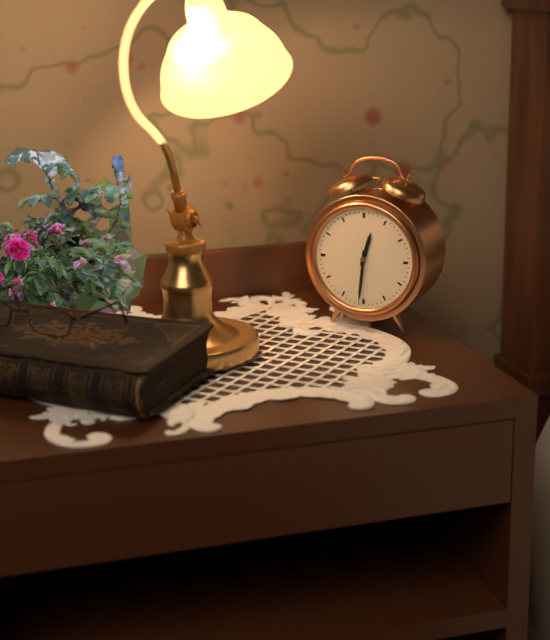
**12:31**
